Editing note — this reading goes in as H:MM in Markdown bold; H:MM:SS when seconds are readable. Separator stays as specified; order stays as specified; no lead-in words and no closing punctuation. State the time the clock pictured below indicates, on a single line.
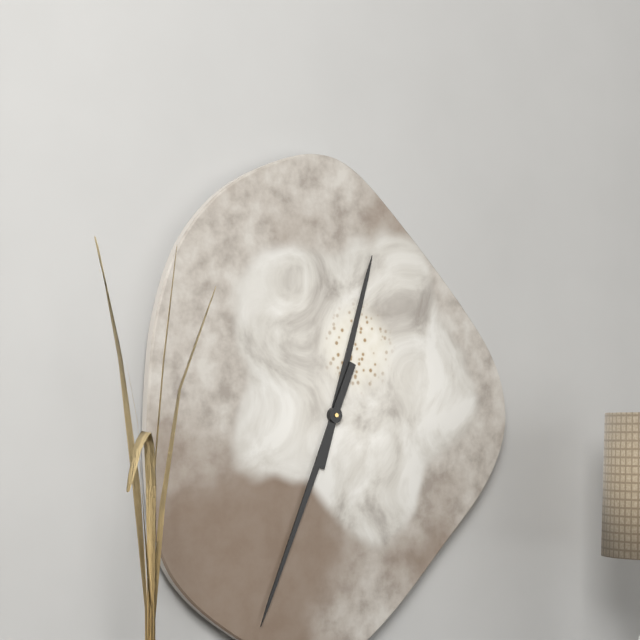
**12:34**
